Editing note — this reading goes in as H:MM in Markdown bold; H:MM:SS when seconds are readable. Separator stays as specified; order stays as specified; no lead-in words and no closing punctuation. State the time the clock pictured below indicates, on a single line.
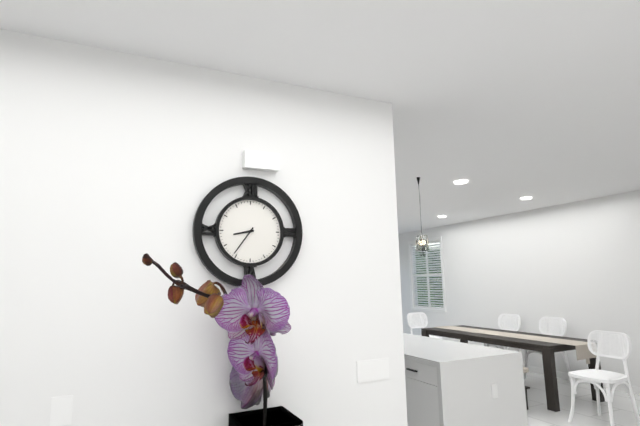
**8:36**
